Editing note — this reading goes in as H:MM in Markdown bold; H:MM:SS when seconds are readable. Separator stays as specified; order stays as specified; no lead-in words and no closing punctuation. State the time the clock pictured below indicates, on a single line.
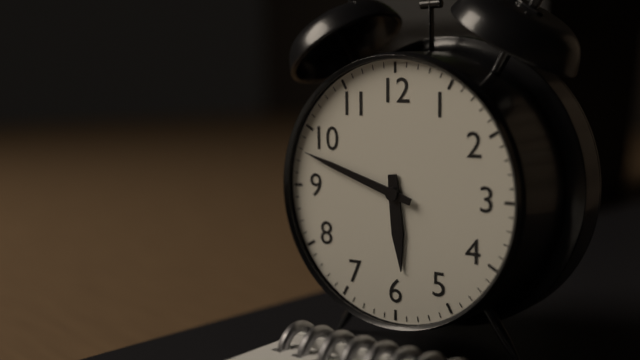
**5:48**
